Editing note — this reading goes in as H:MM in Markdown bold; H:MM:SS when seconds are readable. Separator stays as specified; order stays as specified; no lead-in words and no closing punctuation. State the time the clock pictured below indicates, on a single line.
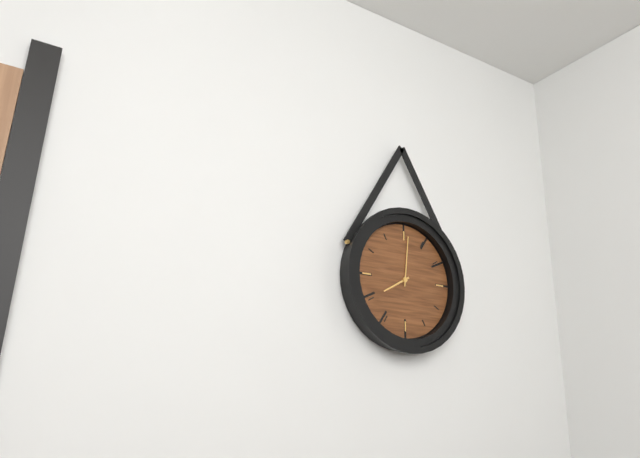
**8:01**
